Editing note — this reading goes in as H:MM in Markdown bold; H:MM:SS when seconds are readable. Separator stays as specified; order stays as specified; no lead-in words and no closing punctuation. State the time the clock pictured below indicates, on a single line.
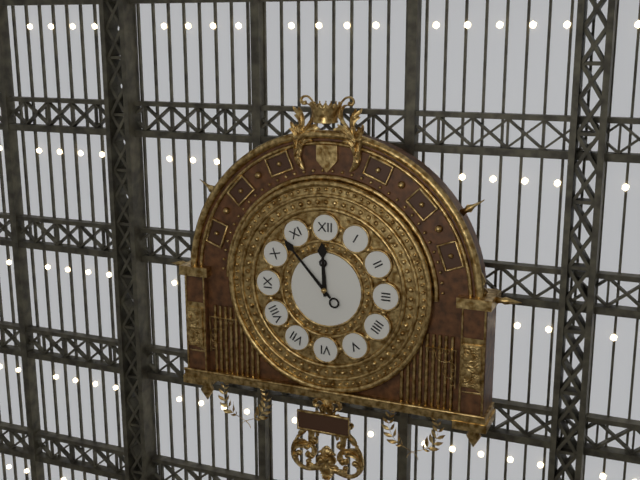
**11:53**
